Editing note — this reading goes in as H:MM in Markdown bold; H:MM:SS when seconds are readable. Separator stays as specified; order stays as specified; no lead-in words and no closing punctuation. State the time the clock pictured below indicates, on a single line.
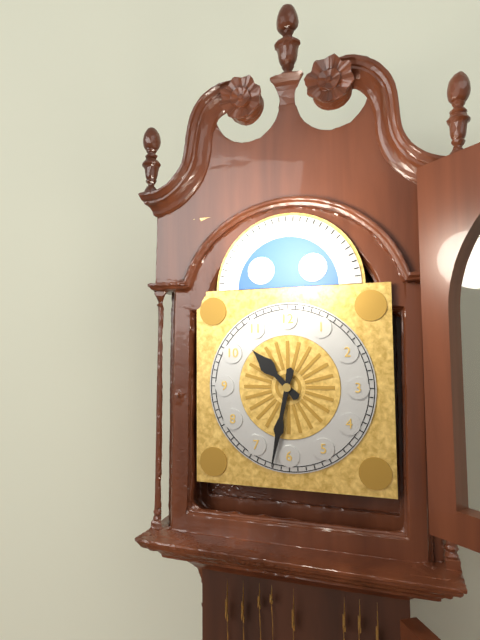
**10:32**
